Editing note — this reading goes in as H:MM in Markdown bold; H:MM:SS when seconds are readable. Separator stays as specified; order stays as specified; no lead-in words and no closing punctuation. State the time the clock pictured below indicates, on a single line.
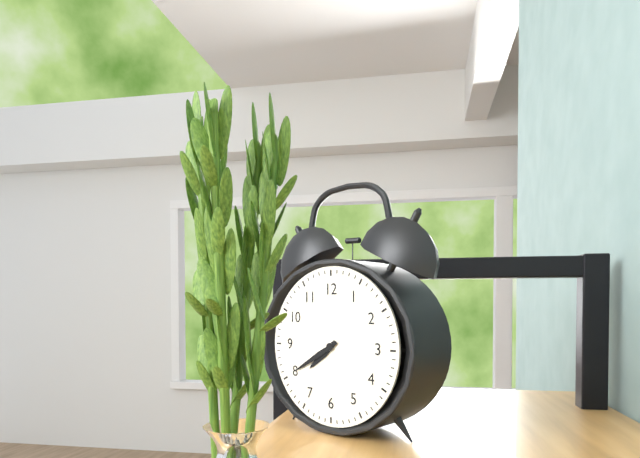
**7:40**
